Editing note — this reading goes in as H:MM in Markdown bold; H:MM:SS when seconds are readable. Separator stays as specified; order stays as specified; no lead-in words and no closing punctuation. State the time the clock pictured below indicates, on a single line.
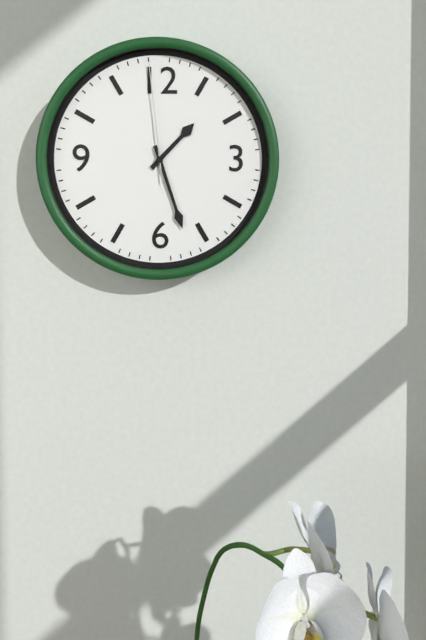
**1:27:59**
